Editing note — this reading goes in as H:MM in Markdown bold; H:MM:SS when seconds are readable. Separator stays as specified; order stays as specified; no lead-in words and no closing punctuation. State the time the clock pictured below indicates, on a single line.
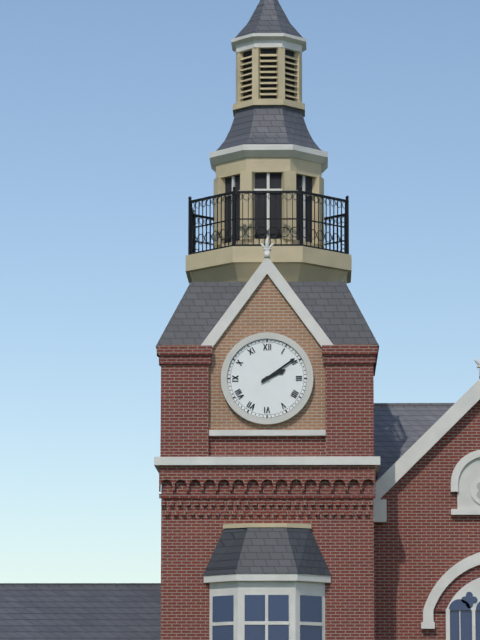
**2:09**
